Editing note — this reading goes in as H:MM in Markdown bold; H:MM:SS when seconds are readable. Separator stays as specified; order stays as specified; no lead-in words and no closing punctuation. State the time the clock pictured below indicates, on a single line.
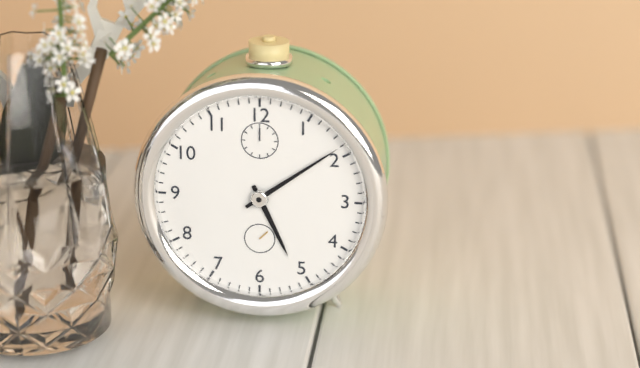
**5:09**
